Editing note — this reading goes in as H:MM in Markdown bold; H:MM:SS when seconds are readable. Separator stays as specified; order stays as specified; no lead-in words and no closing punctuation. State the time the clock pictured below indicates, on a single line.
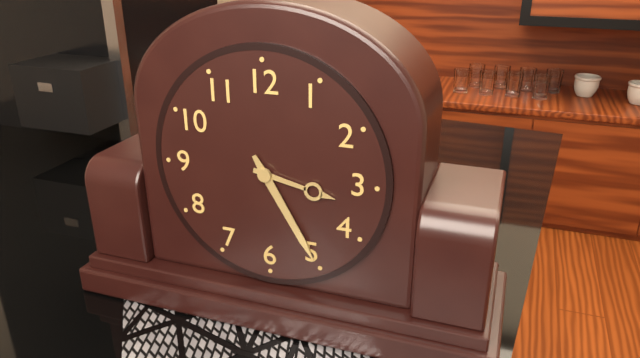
**3:25**
